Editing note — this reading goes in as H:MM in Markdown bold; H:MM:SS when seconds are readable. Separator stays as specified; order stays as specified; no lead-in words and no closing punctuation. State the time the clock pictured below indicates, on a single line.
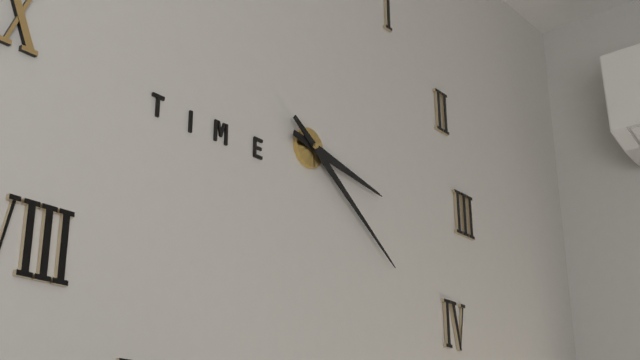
**3:21**
